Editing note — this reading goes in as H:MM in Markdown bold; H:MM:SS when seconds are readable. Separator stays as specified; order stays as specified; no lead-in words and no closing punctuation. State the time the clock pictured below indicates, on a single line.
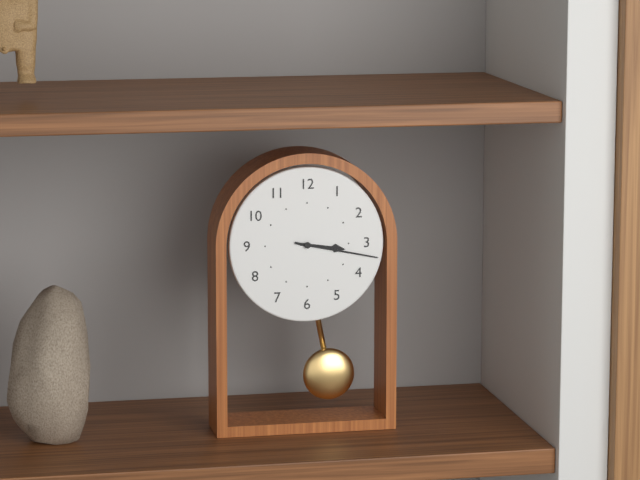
**3:17**
